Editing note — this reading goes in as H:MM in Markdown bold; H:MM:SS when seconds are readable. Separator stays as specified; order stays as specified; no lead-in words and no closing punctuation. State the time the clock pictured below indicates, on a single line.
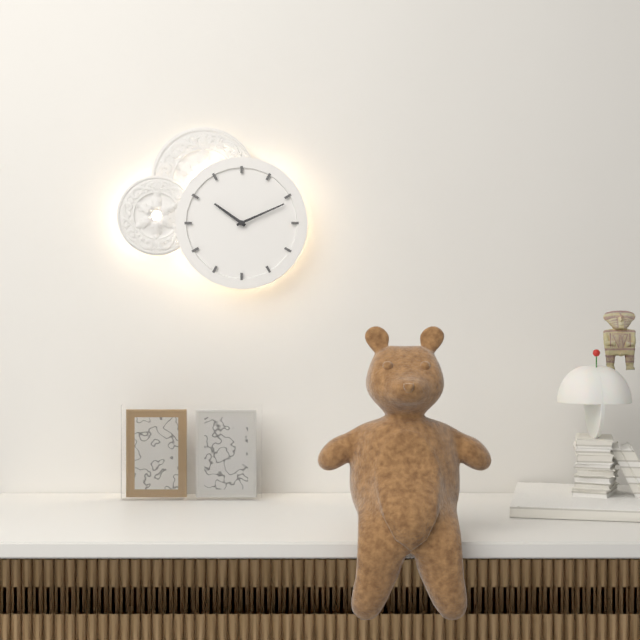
**10:11**
